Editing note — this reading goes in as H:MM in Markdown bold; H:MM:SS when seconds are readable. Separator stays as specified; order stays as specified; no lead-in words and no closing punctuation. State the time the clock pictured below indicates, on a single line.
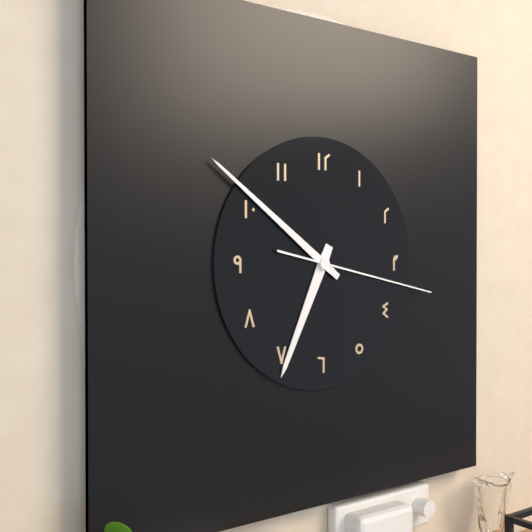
**6:51:17**
